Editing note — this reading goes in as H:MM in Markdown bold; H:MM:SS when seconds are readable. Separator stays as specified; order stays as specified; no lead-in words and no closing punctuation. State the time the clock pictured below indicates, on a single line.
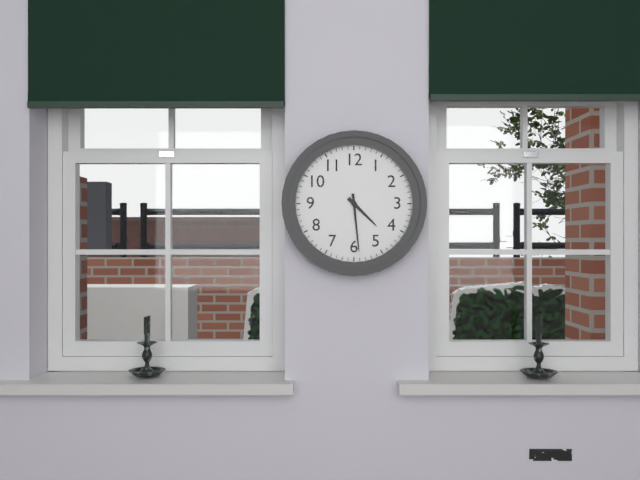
**4:29**
